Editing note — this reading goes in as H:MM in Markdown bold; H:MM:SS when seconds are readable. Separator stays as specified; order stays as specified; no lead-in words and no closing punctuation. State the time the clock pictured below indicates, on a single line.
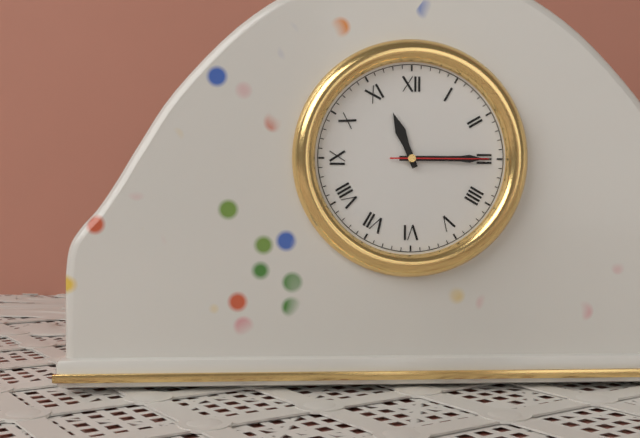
**11:15:15**
